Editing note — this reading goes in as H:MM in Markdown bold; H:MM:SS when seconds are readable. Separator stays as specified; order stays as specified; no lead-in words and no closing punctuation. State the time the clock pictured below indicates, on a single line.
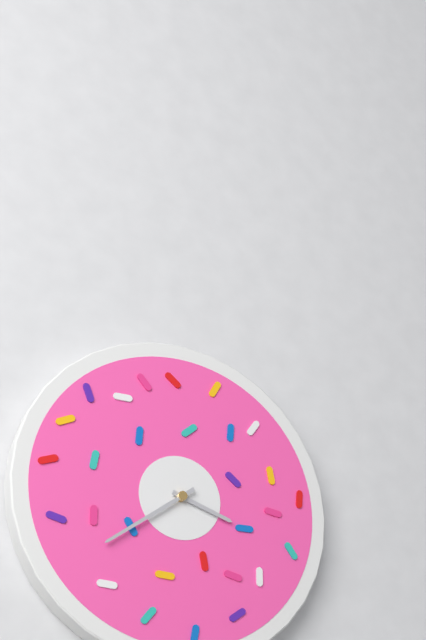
**3:39**
